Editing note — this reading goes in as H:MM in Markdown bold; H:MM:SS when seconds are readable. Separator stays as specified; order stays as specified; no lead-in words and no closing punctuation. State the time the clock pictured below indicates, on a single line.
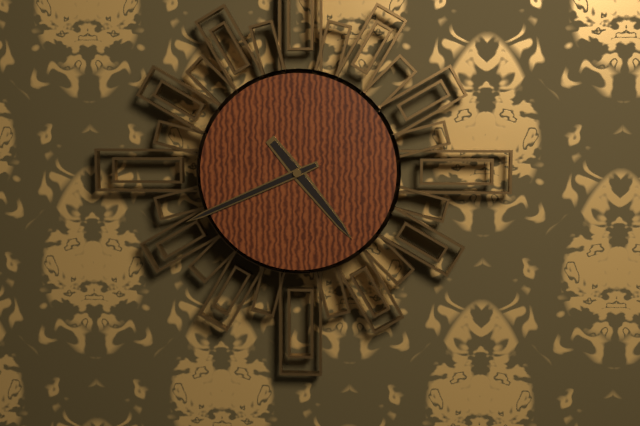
**4:41**
